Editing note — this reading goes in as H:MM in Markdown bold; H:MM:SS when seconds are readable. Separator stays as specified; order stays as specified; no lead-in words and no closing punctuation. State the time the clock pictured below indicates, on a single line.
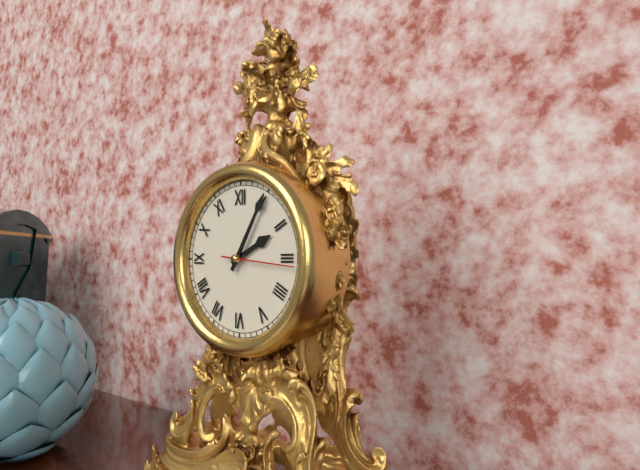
**2:05:16**
